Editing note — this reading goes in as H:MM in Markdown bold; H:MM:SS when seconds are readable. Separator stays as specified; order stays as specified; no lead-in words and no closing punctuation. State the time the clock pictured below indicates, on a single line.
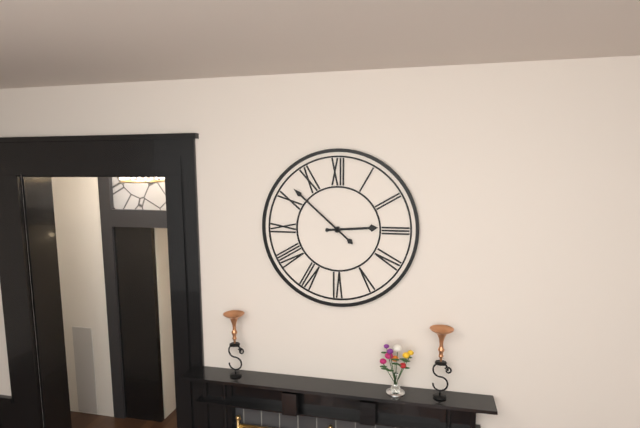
**2:52**
